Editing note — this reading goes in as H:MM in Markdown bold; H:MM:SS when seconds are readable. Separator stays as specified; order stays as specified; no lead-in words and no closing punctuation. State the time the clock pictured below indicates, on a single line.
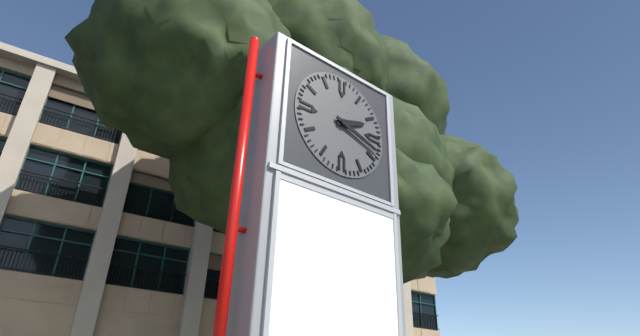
**2:18**
